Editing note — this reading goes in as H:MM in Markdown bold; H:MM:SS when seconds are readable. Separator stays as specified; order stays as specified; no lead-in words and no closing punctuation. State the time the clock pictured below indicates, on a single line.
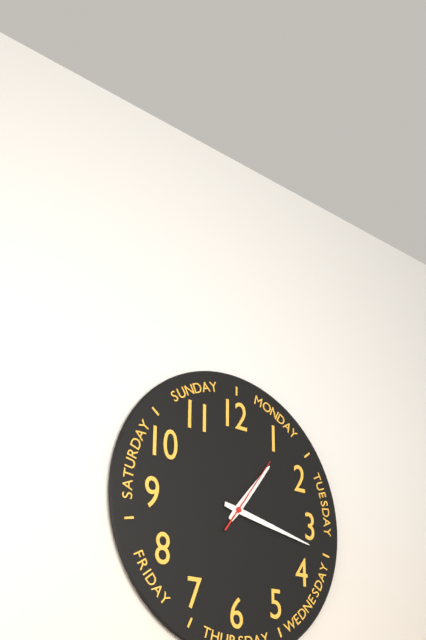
**1:17:06**
